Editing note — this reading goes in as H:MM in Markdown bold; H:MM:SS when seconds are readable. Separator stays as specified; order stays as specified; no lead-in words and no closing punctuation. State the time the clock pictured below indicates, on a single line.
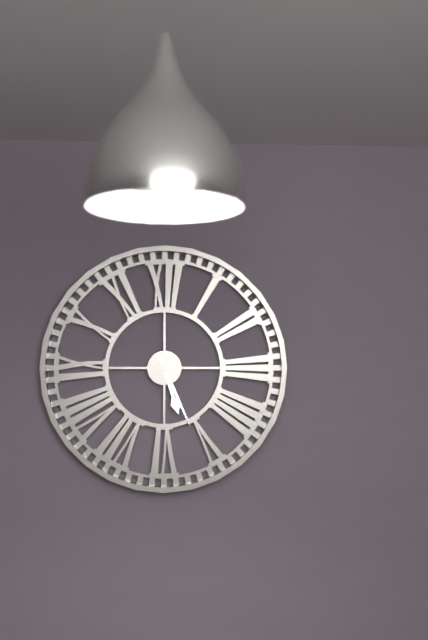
**5:26**
